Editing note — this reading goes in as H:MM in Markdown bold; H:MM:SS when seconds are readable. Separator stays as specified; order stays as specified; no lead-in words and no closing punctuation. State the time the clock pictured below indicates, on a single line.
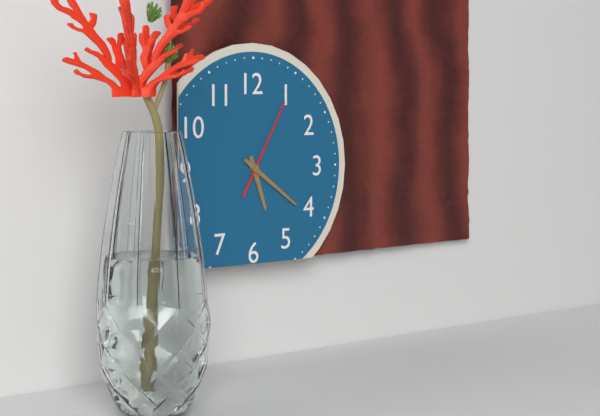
**5:21:05**
